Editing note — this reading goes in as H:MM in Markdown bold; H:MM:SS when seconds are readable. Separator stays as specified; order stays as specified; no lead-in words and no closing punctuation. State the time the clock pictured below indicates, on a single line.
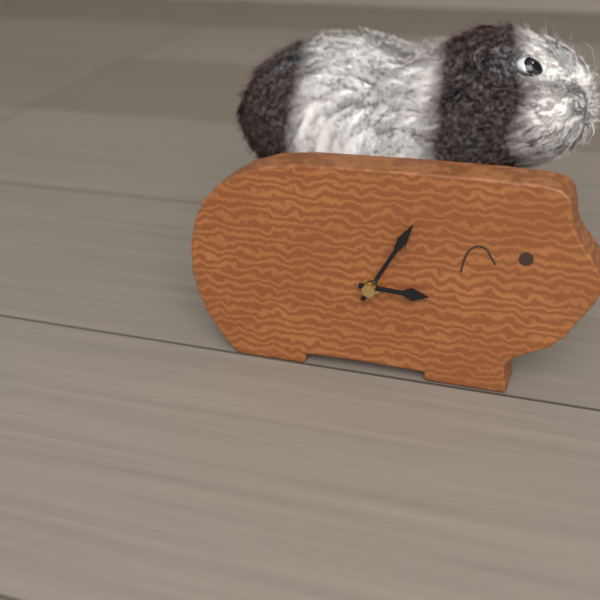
**3:05**
